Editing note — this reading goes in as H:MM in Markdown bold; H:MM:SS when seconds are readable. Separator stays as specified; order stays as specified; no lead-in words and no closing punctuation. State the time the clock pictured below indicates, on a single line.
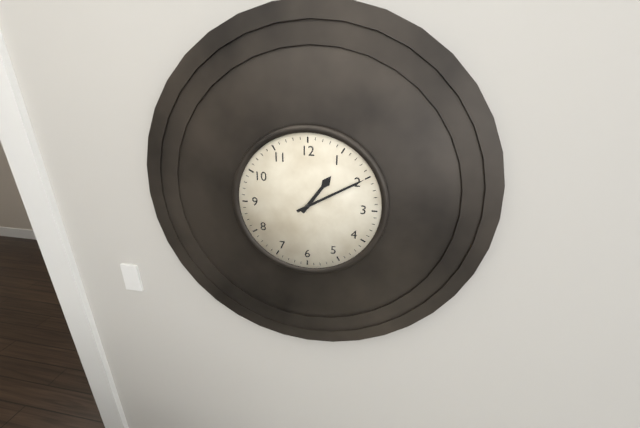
**1:10**
